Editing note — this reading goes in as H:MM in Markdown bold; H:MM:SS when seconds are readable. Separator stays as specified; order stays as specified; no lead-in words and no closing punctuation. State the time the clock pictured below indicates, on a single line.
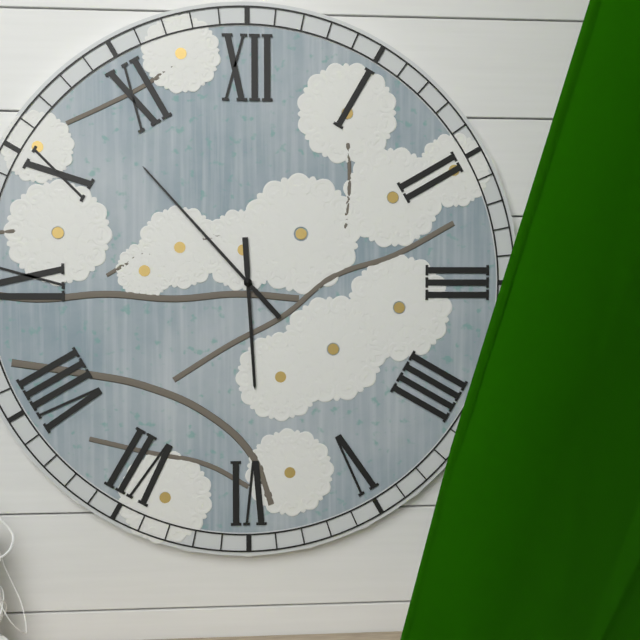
**5:53**
